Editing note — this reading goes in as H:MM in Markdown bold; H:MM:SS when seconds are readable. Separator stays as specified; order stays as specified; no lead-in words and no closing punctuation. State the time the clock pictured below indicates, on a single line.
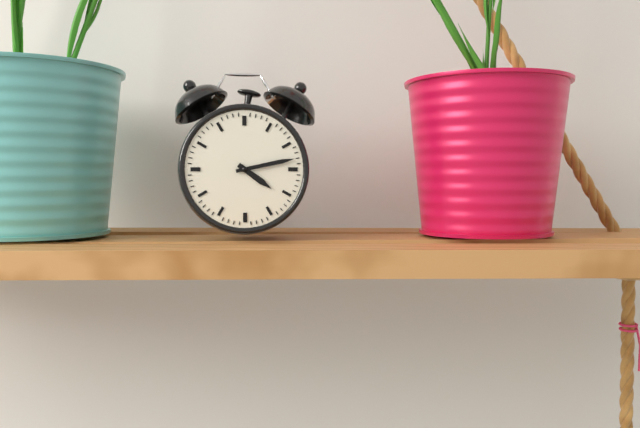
**4:13**
